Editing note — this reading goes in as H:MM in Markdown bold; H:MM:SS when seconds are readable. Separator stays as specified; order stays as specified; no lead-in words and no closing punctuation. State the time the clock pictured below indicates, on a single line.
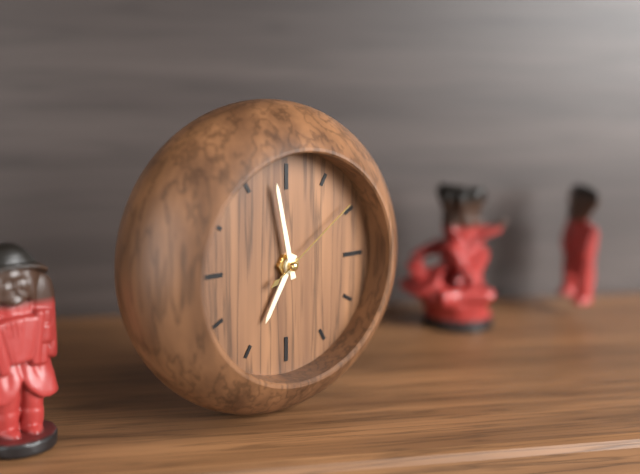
**6:58:09**
